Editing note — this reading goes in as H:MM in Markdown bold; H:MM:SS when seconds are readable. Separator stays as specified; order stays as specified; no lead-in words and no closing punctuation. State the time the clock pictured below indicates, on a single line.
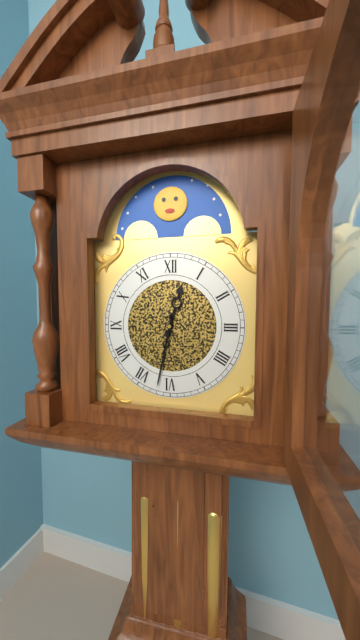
**12:32**
